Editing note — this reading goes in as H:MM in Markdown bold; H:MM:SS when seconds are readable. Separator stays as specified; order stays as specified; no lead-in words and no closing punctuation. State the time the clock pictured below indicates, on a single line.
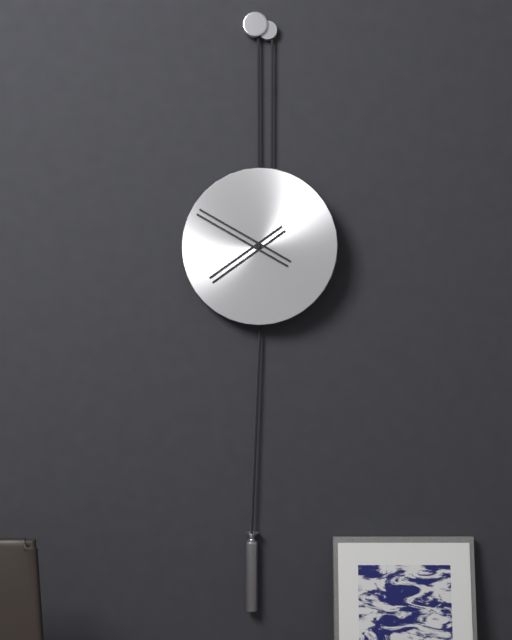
**7:50**
